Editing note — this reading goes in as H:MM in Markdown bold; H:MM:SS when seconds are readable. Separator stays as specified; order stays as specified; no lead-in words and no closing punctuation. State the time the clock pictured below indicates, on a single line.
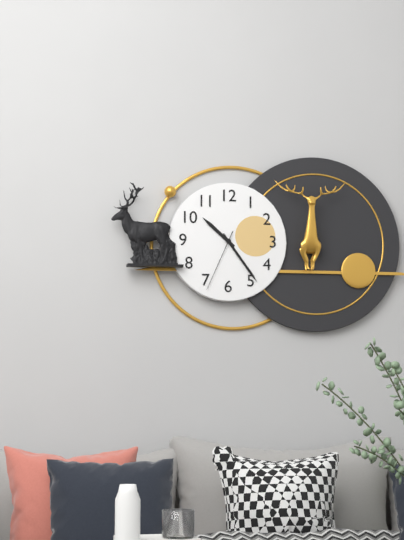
**10:24:34**
